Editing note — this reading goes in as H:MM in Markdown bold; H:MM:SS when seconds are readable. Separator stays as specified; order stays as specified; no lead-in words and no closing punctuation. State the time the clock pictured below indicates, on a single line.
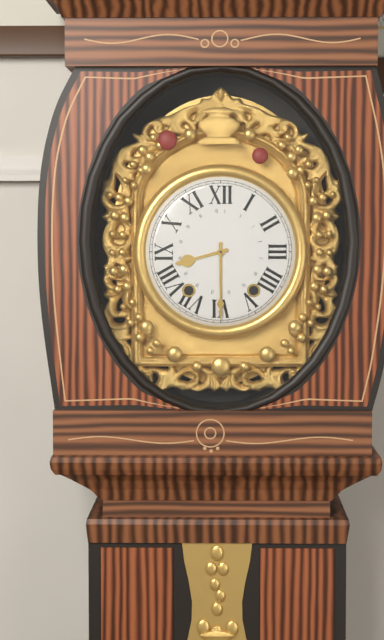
**8:30**
